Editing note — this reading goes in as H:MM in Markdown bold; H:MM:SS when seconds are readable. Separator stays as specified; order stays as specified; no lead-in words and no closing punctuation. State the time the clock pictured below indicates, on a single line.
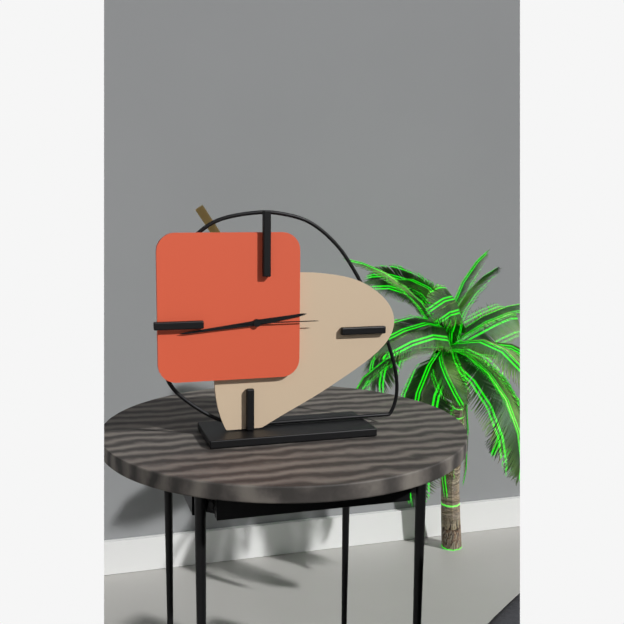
**2:44:15**
